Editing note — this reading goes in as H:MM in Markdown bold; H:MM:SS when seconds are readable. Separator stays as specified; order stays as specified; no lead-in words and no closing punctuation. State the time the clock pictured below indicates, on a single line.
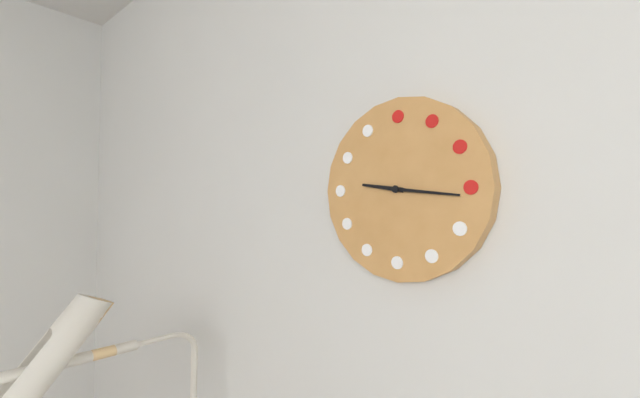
**9:16**
